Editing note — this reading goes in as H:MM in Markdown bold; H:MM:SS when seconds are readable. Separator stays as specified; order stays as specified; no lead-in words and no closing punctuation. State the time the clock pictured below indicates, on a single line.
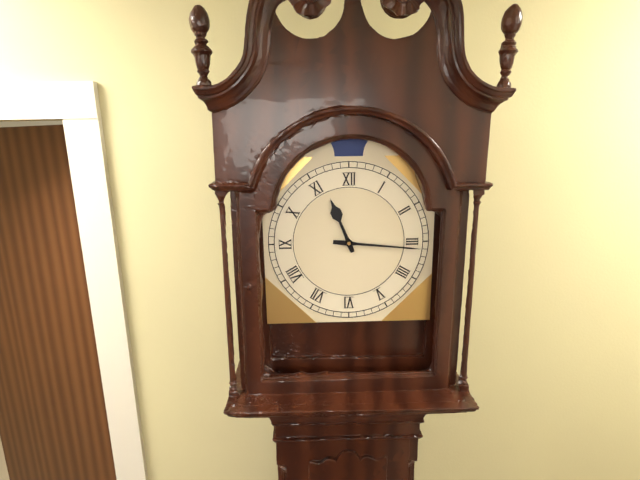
**11:16**
